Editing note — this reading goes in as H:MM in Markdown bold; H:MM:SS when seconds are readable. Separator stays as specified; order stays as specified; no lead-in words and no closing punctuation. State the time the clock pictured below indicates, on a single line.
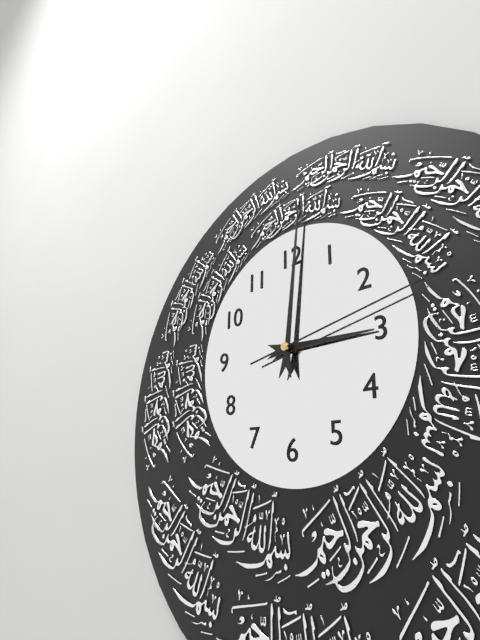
**3:01:13**
